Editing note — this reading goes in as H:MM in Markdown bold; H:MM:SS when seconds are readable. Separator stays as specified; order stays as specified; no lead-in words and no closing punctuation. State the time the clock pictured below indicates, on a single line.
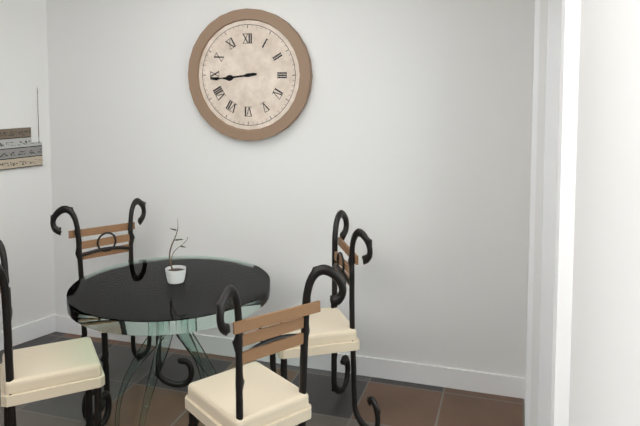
**8:44**
